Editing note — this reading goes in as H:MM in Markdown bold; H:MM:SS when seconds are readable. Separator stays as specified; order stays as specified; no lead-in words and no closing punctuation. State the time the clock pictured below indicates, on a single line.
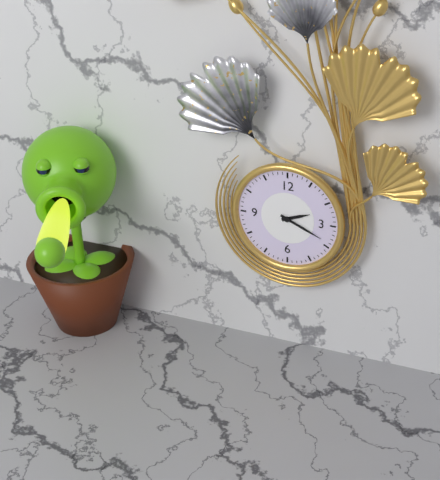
**2:19**
